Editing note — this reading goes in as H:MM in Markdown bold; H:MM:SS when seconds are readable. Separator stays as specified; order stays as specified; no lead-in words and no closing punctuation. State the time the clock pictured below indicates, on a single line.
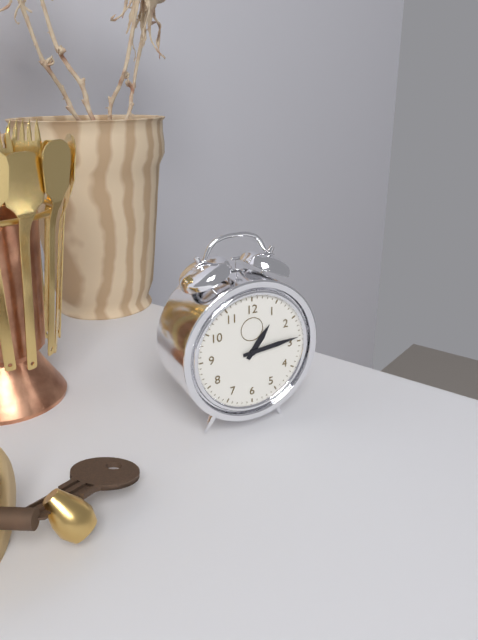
**1:14**
